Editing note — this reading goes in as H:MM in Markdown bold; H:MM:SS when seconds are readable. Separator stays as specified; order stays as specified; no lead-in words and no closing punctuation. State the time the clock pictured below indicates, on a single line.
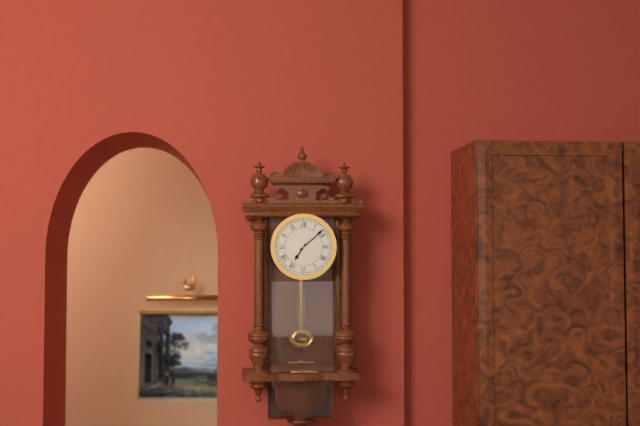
**7:08**
